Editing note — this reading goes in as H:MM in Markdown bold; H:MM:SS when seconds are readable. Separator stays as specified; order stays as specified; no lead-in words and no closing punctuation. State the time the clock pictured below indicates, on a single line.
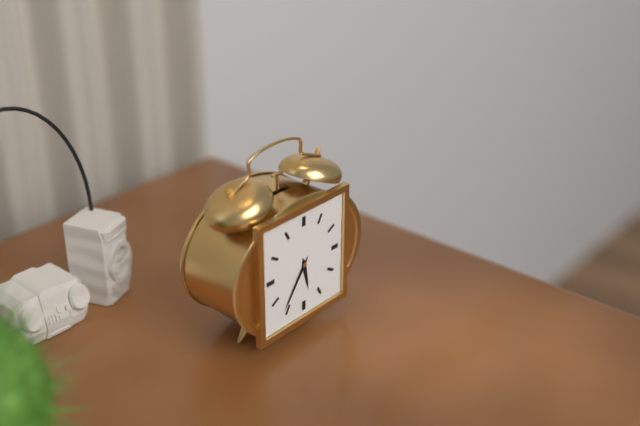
**5:36**
